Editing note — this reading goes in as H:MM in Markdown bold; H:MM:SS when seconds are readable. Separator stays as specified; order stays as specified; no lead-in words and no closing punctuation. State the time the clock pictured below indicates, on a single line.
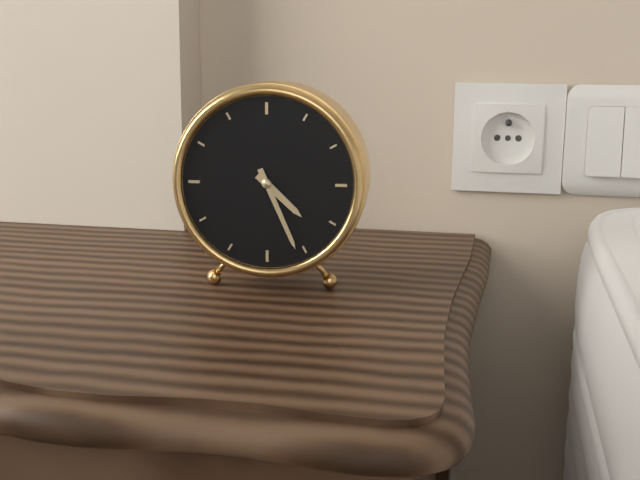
**4:26**
